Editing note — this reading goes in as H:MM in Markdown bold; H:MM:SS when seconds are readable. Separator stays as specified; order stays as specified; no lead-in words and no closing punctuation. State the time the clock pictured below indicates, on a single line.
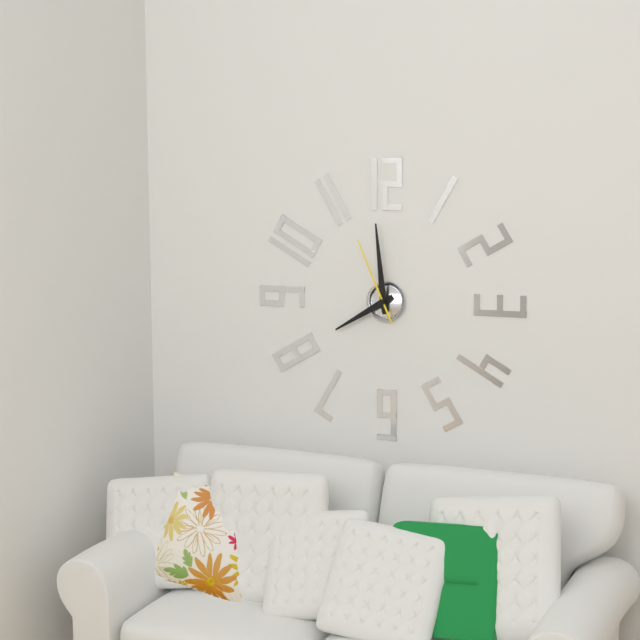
**7:59:56**
